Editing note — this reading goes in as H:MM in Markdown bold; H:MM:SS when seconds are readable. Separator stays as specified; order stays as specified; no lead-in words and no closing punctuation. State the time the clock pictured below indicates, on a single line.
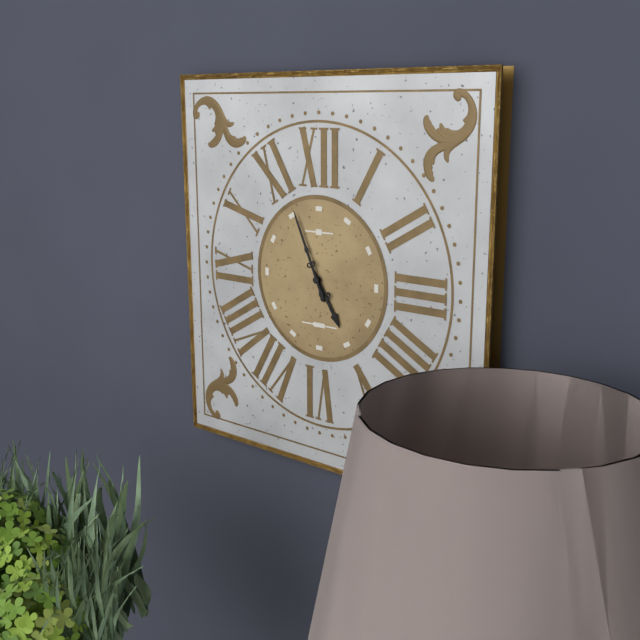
**4:56**
